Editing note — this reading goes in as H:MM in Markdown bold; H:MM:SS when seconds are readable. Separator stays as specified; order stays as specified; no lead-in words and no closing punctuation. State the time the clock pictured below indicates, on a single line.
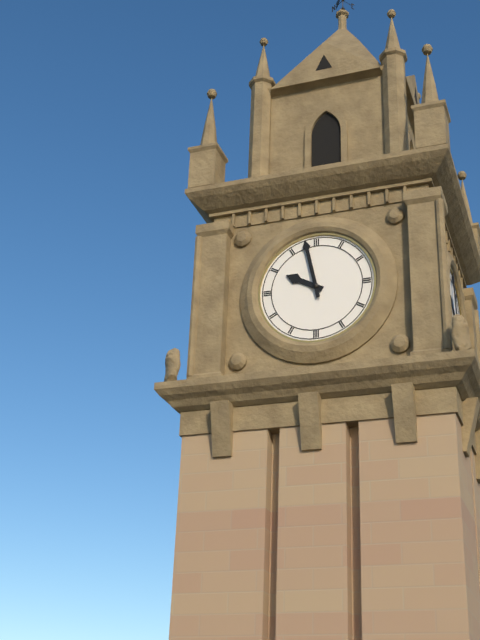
**9:58**
